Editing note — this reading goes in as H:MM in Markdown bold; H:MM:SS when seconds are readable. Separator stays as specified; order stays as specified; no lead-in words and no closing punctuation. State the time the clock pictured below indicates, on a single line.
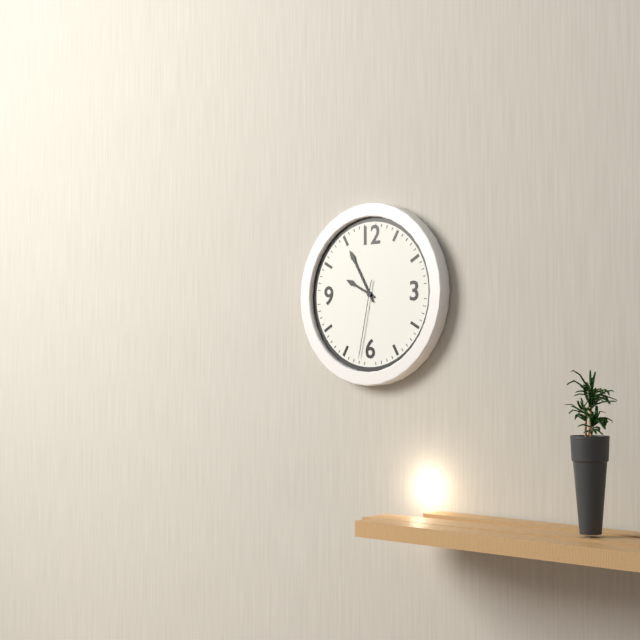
**9:55:32**
